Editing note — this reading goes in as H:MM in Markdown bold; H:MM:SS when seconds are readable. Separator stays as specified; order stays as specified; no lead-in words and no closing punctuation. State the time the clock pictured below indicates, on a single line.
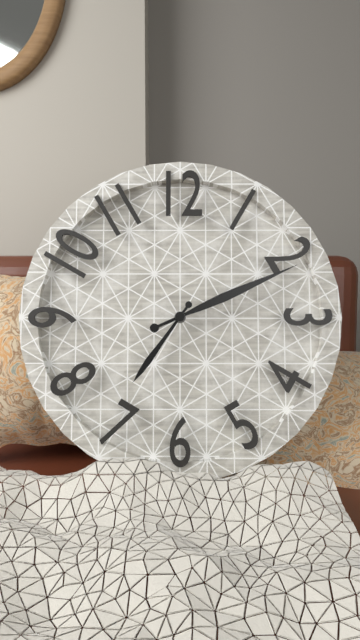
**7:11**
